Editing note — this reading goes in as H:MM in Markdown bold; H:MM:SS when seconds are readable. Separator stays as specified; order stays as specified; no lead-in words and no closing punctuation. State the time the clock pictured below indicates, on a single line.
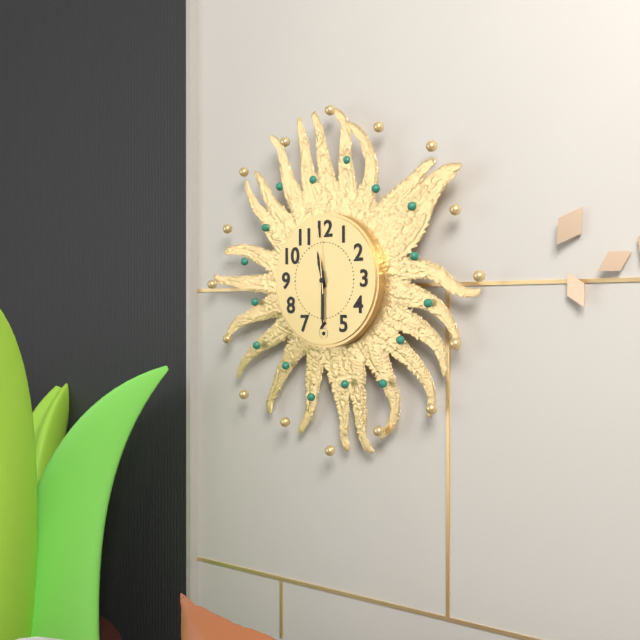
**11:30:59**
